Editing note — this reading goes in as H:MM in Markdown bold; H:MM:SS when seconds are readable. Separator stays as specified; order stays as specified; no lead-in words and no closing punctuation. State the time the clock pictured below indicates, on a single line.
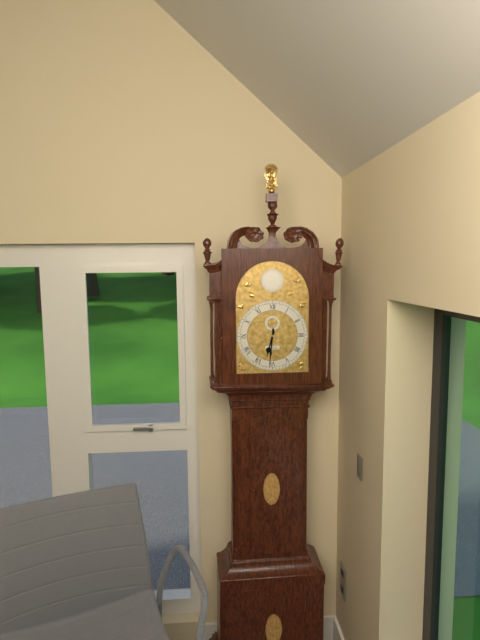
**6:31**
